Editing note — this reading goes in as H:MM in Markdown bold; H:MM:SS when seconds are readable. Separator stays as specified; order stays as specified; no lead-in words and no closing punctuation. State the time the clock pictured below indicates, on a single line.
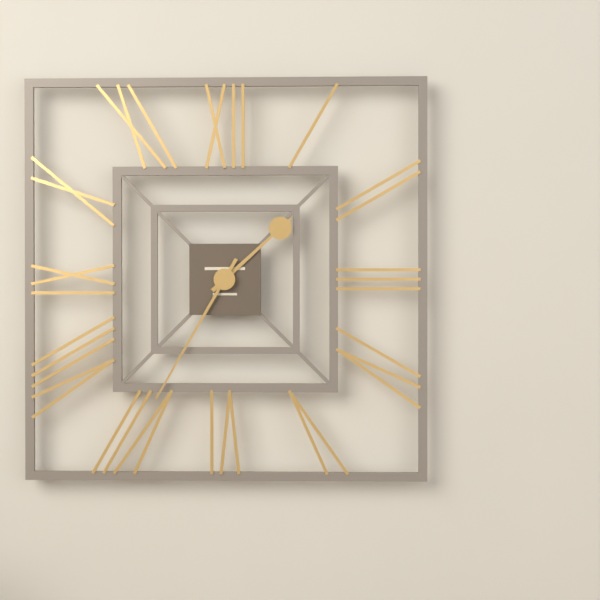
**1:35**
